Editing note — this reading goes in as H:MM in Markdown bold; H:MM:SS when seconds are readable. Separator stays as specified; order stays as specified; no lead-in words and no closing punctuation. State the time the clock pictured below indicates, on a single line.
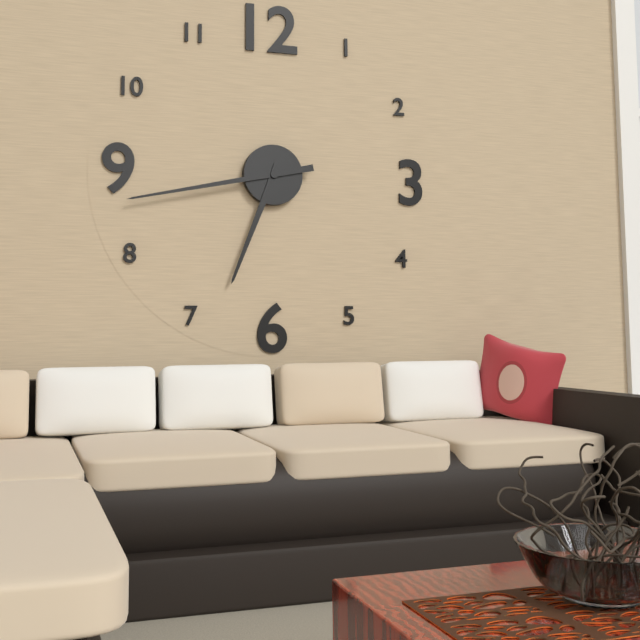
**6:43**
